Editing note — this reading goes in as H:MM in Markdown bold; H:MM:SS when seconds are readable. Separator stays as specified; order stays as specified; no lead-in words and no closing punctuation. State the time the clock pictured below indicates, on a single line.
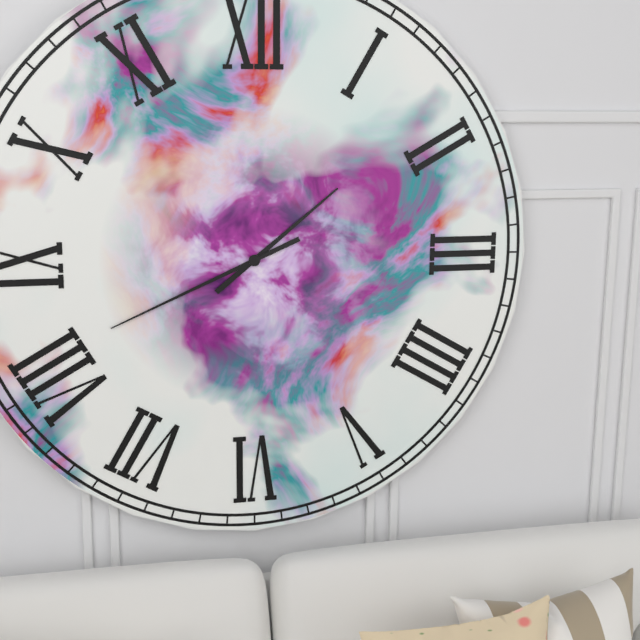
**1:41**
